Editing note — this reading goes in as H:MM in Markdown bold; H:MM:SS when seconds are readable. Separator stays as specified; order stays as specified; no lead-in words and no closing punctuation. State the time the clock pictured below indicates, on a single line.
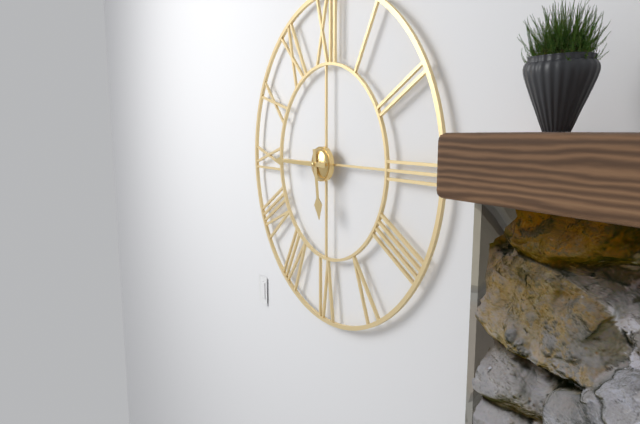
**5:45**
